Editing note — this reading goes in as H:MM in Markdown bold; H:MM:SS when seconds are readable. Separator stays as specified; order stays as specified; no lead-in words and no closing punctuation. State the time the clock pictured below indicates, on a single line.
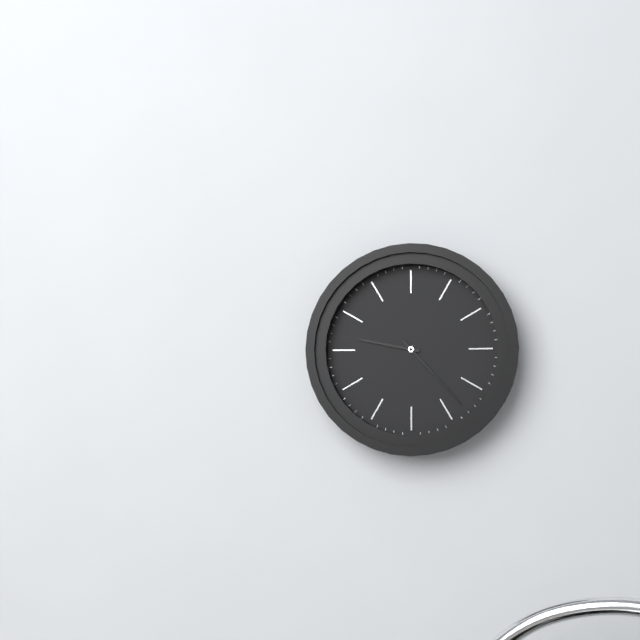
**9:23**
